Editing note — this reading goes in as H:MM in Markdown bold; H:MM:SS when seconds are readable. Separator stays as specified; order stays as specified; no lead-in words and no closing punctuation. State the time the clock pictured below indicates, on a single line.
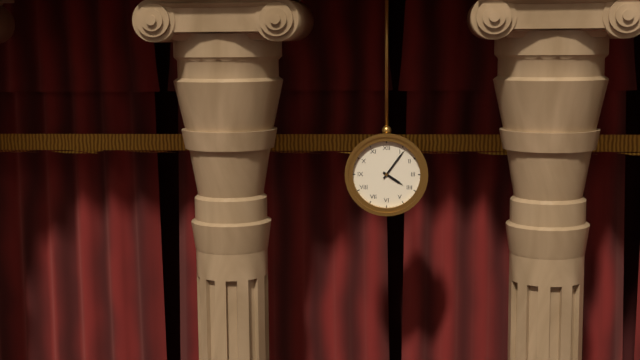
**4:06**
